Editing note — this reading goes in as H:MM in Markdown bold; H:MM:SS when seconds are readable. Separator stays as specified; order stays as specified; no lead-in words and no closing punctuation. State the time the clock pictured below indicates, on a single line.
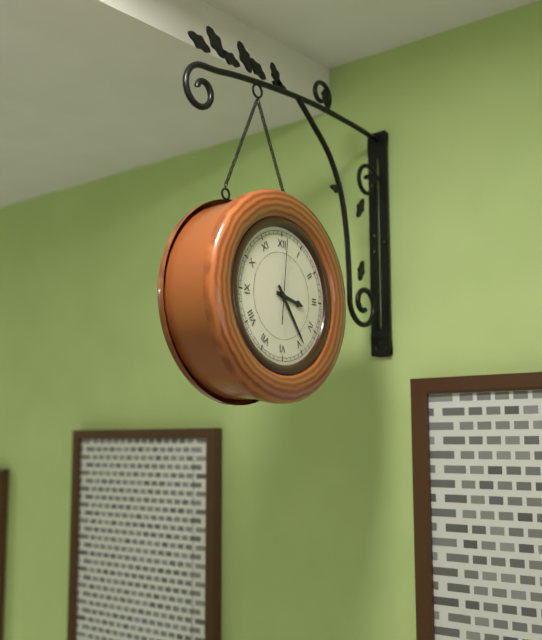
**3:24:01**
